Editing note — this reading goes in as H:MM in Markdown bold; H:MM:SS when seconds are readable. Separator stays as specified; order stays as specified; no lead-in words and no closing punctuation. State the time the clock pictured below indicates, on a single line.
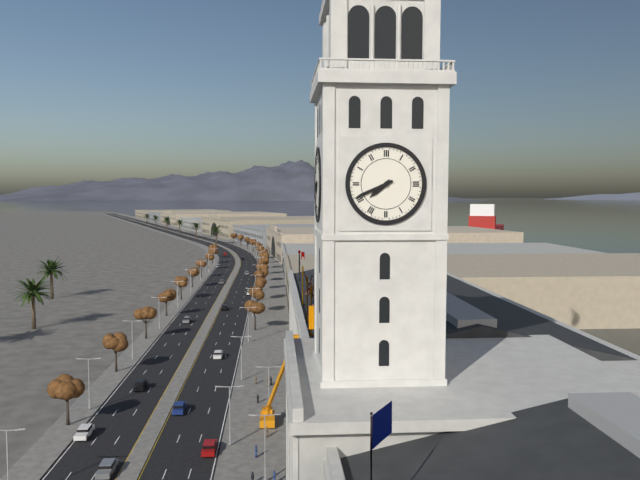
**7:41**
